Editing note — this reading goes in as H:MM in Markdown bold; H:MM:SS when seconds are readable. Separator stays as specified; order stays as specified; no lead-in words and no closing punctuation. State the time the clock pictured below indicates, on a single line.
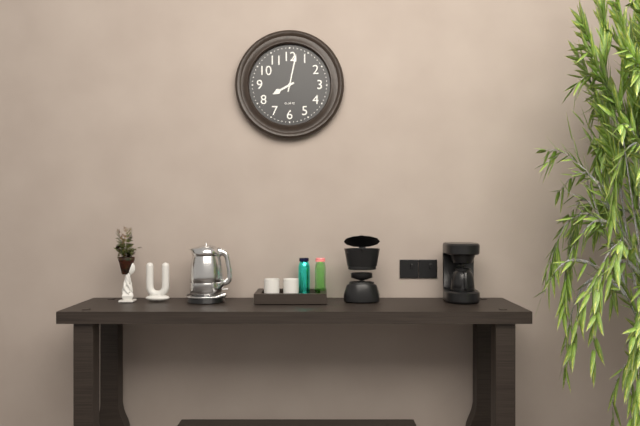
**8:02**
